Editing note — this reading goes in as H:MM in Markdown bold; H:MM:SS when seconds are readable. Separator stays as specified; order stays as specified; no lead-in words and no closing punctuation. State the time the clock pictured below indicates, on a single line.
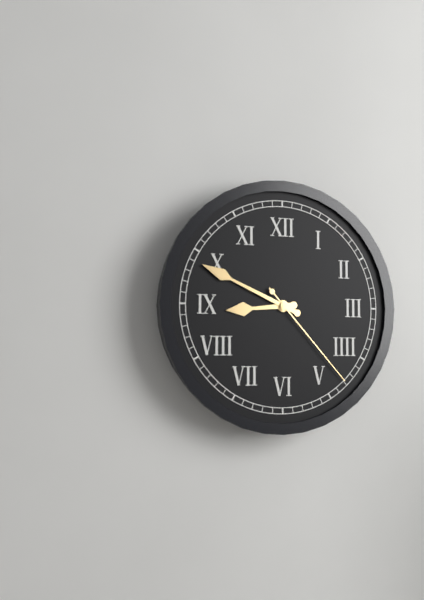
**8:49:23**
